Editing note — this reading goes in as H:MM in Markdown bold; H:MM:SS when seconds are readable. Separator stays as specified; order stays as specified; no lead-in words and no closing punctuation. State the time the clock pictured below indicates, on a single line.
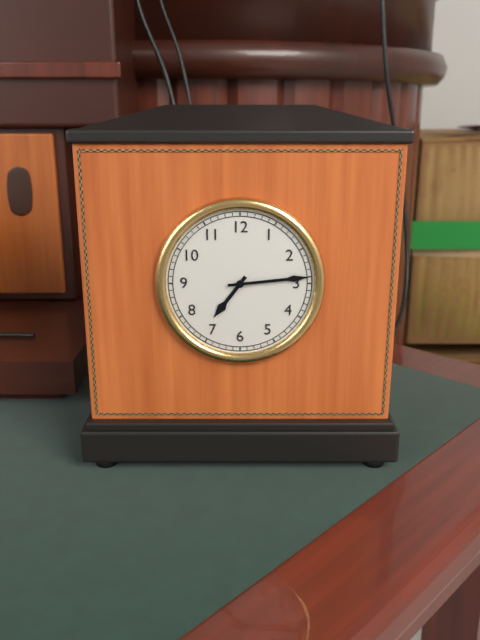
**7:14**
